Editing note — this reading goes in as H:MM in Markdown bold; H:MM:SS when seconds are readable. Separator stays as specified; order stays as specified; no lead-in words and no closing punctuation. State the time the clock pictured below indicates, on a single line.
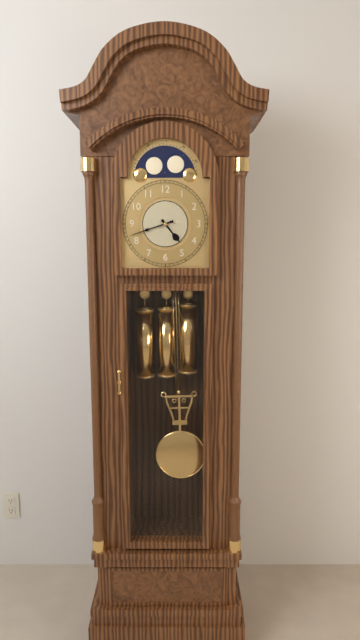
**4:42**
